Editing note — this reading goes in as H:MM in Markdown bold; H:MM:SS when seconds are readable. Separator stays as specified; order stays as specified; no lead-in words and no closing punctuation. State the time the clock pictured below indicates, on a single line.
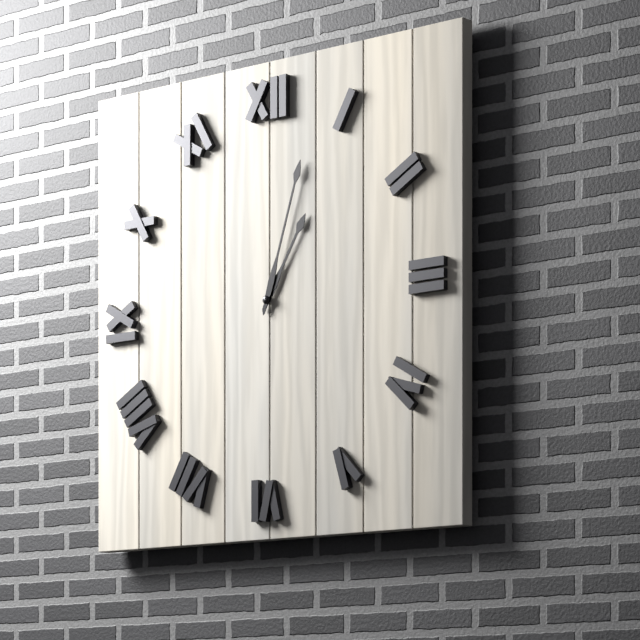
**1:03**
